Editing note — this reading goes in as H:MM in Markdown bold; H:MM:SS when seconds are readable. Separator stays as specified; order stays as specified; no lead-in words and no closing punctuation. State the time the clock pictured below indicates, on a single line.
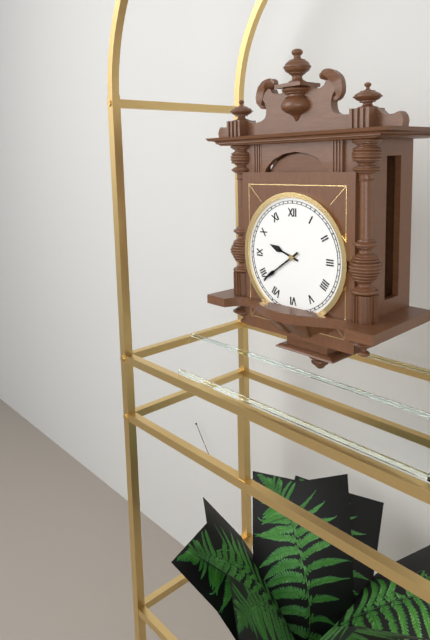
**9:39**
